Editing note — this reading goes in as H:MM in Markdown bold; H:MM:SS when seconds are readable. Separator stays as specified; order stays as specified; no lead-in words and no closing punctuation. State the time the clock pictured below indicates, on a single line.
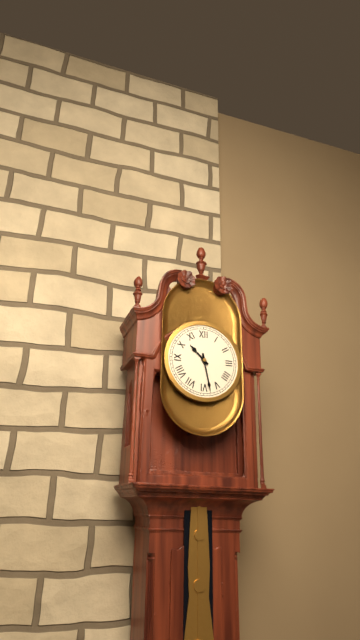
**10:28**
